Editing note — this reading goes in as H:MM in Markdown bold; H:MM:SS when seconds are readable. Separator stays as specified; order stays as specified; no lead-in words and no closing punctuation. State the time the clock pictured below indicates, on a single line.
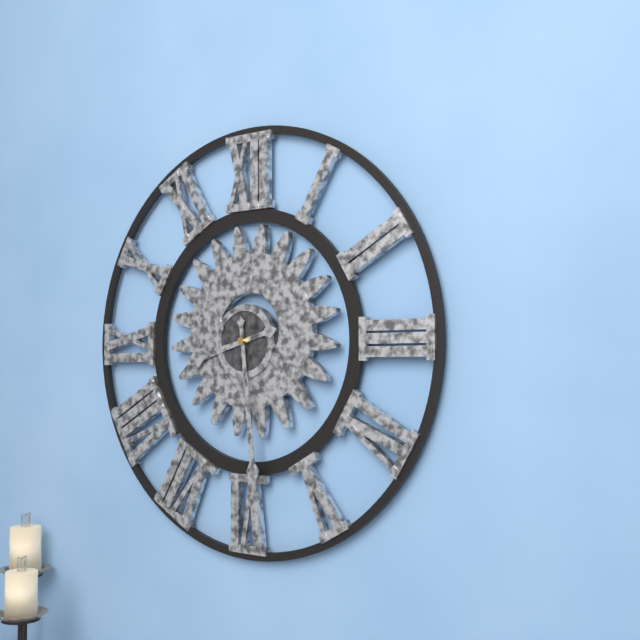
**8:29**
